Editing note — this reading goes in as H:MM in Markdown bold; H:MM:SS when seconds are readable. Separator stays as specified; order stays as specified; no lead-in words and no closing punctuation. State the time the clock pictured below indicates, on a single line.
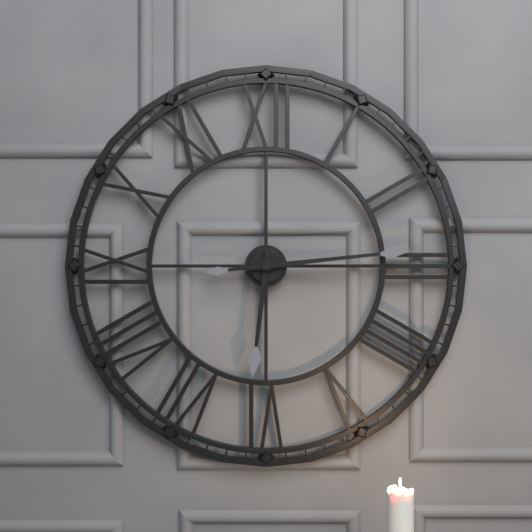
**6:14**
